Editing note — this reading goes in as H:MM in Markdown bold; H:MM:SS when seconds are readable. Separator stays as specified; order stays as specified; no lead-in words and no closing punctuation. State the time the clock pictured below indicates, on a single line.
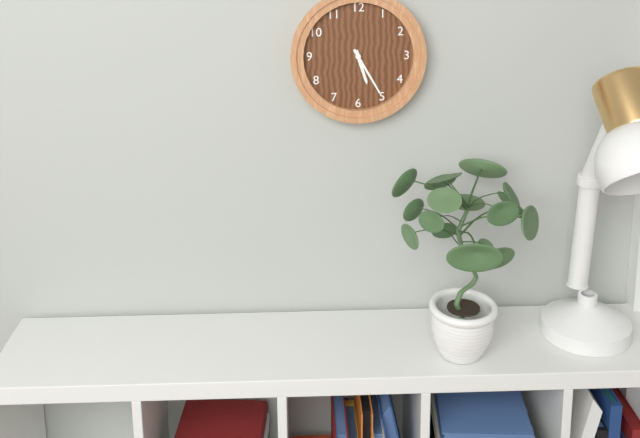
**5:25**
